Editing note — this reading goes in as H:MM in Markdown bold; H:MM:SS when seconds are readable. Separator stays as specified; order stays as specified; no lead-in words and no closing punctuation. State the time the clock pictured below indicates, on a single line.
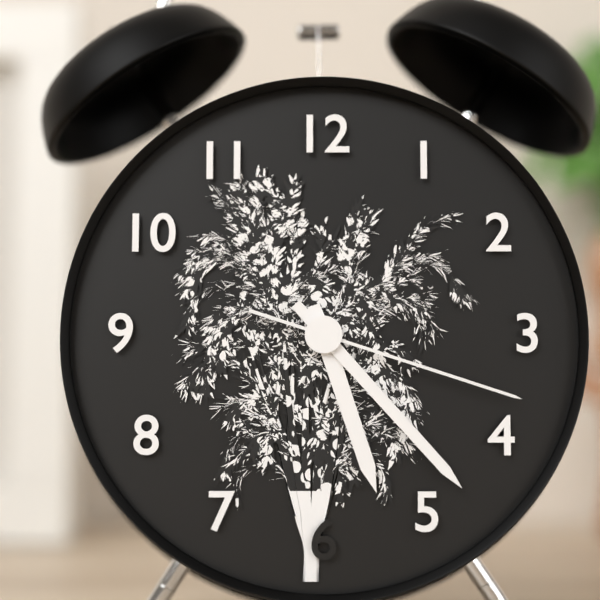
**5:23:18**
